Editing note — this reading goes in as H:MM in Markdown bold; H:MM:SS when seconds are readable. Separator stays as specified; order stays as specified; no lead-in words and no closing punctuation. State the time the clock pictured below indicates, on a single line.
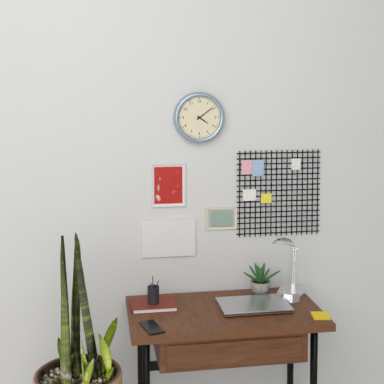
**4:09**
